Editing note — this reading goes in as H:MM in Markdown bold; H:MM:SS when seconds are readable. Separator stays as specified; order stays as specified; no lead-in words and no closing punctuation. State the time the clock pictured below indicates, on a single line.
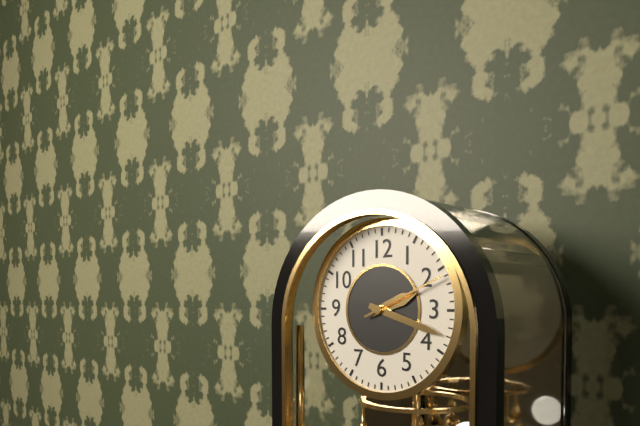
**2:18:11**
